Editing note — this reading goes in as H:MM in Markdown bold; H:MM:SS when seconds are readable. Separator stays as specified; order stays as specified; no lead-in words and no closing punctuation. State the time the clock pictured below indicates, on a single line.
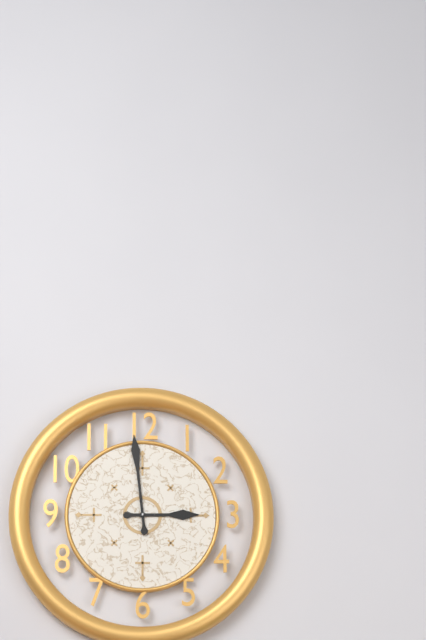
**2:59**
